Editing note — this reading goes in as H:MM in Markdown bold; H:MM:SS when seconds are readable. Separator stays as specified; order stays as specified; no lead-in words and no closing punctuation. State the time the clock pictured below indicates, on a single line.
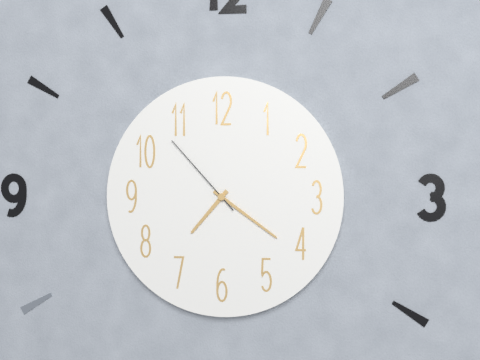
**7:21:53**
